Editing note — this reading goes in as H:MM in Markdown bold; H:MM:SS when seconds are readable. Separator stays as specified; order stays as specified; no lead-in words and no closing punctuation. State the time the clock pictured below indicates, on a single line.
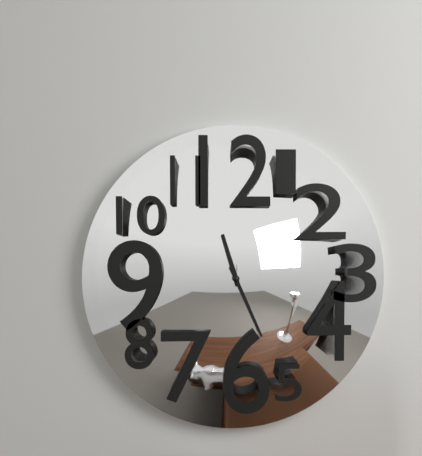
**11:26**
